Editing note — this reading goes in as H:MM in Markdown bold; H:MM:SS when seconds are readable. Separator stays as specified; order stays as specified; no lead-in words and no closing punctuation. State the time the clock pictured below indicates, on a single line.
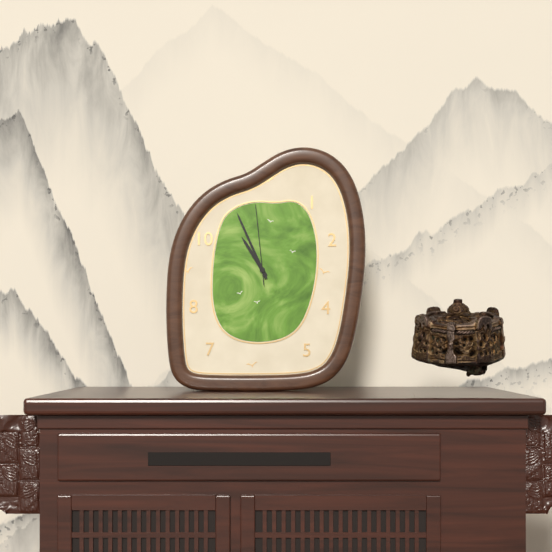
**10:56:59**
